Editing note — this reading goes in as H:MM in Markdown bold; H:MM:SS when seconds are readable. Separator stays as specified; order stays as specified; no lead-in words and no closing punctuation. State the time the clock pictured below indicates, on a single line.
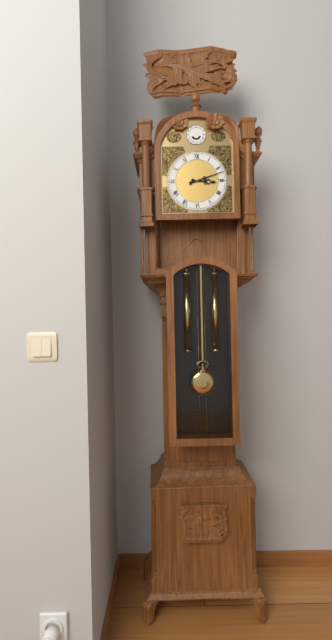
**3:12**
